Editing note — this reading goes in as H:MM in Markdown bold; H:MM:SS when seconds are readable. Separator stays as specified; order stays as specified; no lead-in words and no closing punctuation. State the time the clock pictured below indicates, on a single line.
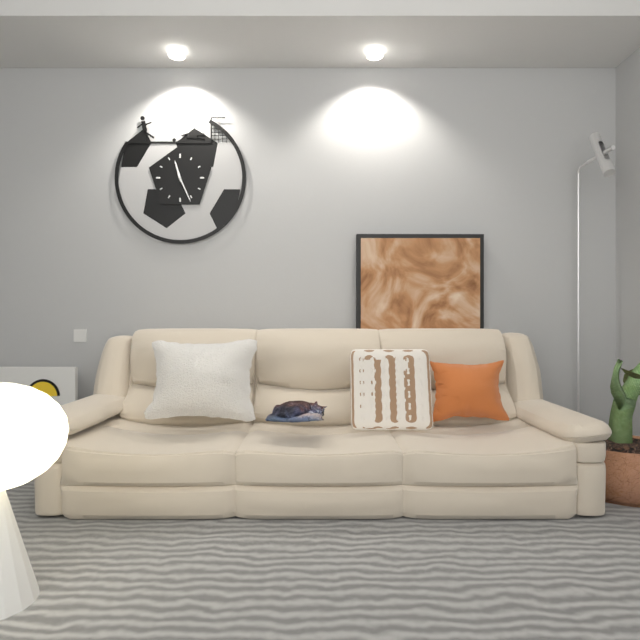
**11:26**
